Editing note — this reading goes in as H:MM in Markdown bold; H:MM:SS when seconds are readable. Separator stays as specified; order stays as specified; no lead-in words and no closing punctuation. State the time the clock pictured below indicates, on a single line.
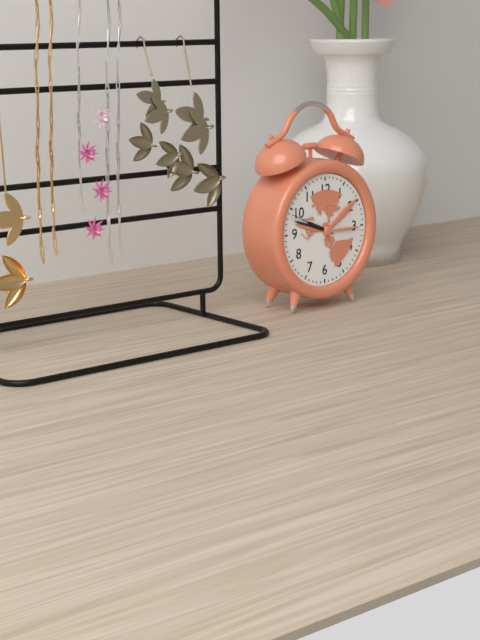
**9:48**
